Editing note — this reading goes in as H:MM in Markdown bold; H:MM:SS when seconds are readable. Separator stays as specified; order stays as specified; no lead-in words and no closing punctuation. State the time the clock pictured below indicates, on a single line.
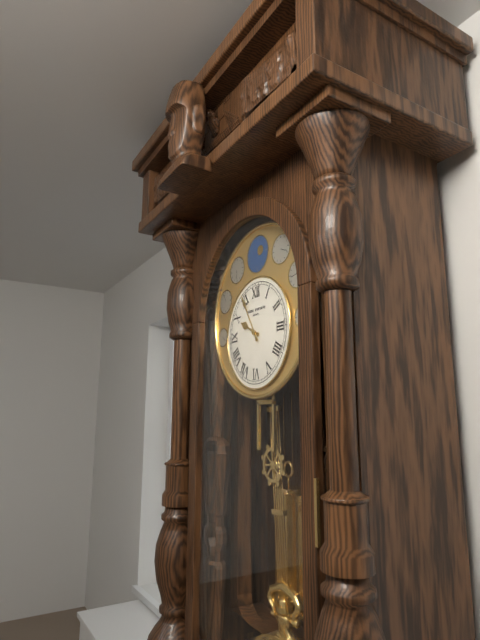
**9:55**
